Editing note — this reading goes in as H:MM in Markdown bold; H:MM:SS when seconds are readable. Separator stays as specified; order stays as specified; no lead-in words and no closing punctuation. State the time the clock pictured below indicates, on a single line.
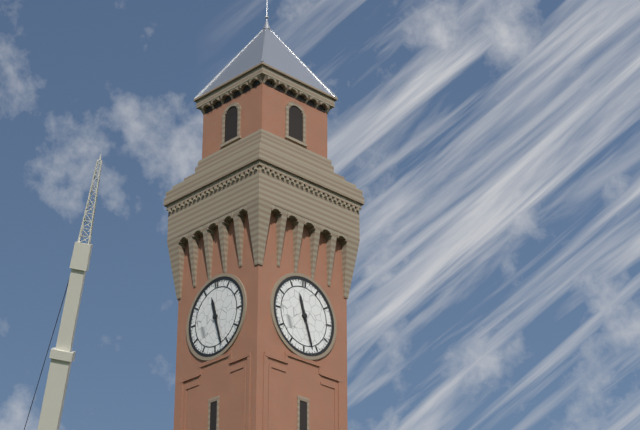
**11:27**
